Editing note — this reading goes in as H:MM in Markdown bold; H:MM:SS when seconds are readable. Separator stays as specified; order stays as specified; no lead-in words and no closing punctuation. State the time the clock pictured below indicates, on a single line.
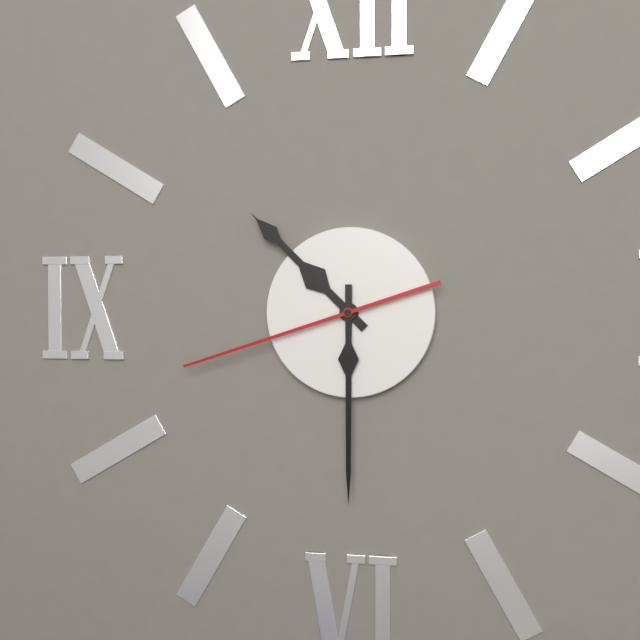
**10:30:42**
